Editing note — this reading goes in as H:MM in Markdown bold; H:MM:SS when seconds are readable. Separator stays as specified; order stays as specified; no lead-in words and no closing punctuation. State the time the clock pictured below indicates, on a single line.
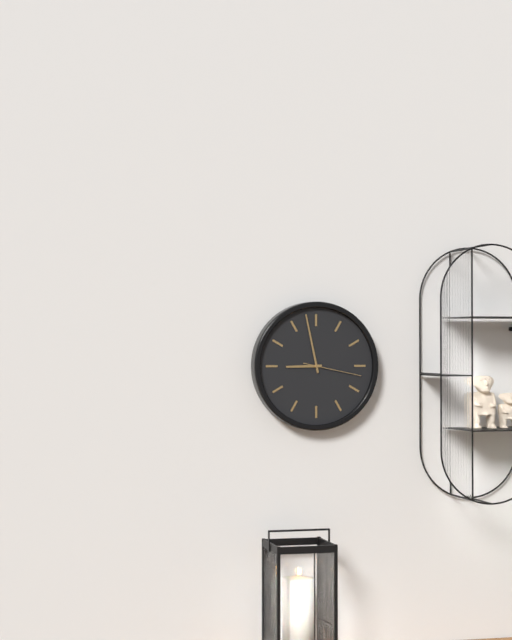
**8:58:17**
